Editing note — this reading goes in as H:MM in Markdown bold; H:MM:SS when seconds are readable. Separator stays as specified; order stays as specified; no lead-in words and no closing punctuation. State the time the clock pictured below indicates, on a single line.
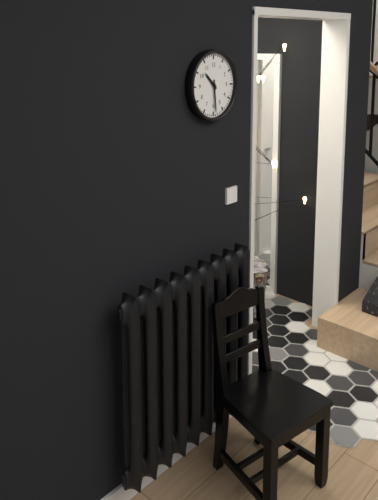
**10:29**
